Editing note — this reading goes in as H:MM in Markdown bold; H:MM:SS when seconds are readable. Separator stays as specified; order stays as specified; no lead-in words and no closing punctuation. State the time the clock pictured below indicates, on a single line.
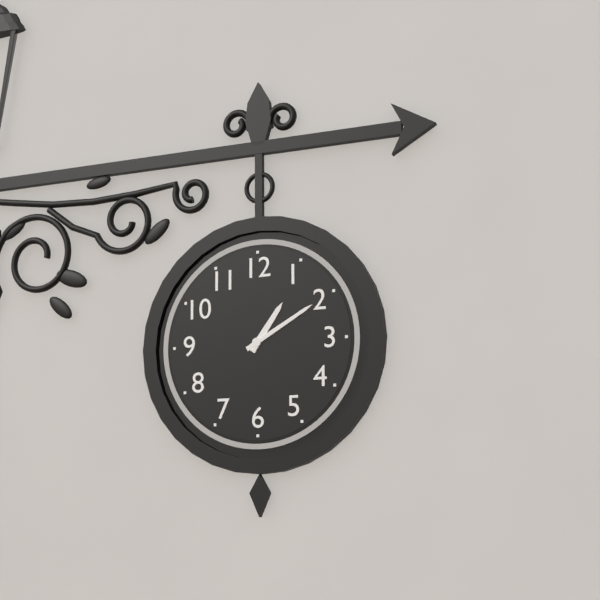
**1:10**
